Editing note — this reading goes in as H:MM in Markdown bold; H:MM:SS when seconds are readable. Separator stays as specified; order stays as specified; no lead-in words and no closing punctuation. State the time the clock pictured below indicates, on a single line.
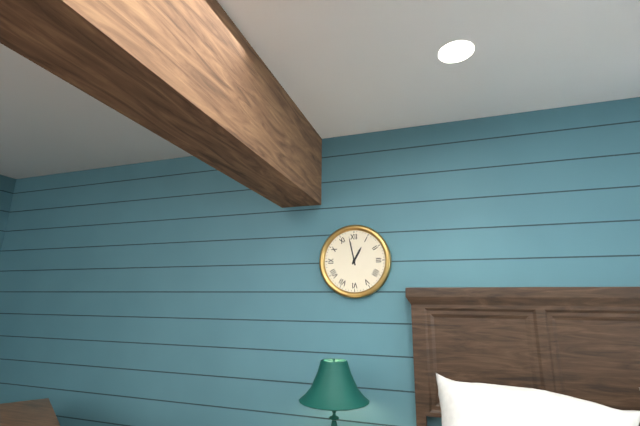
**12:58**
